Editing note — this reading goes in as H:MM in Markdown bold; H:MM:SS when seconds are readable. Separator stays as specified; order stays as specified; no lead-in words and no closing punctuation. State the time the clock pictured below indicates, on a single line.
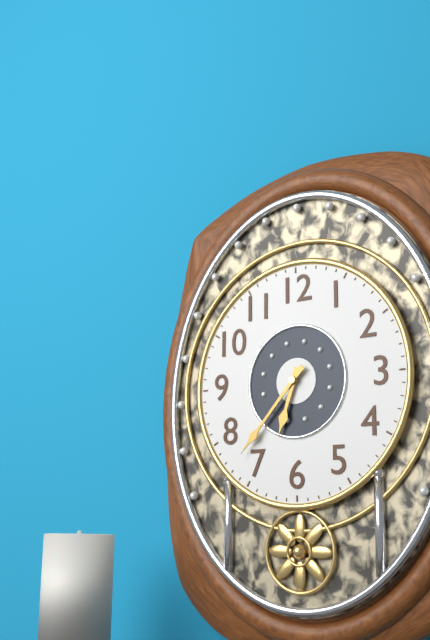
**6:37**
